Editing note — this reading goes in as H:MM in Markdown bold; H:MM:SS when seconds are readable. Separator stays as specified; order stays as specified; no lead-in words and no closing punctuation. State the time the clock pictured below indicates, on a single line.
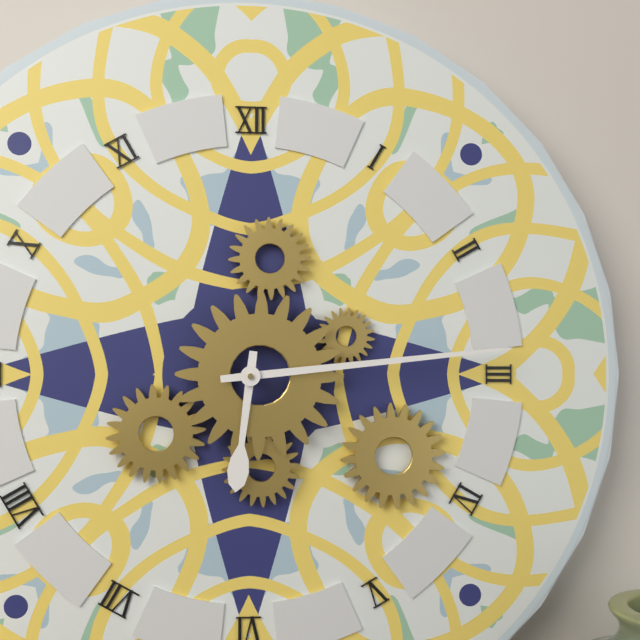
**6:14**
